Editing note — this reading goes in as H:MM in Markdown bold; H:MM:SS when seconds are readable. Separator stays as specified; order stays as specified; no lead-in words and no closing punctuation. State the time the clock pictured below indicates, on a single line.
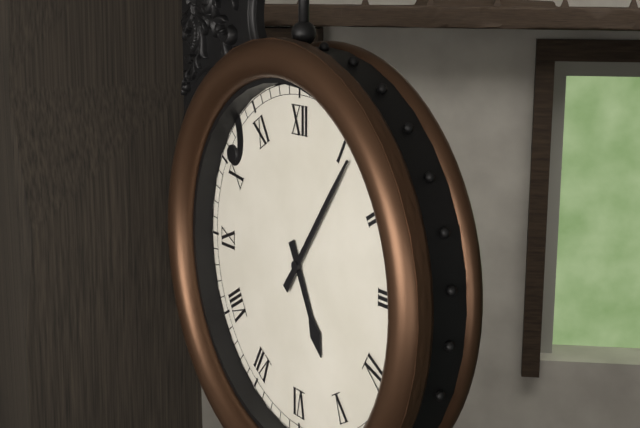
**5:06**
